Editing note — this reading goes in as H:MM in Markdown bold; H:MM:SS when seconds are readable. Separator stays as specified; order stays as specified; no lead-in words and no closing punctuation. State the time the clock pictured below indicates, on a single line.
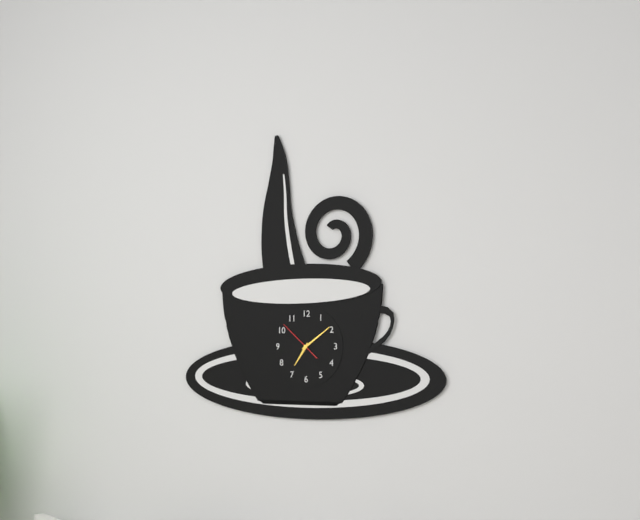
**7:09**
